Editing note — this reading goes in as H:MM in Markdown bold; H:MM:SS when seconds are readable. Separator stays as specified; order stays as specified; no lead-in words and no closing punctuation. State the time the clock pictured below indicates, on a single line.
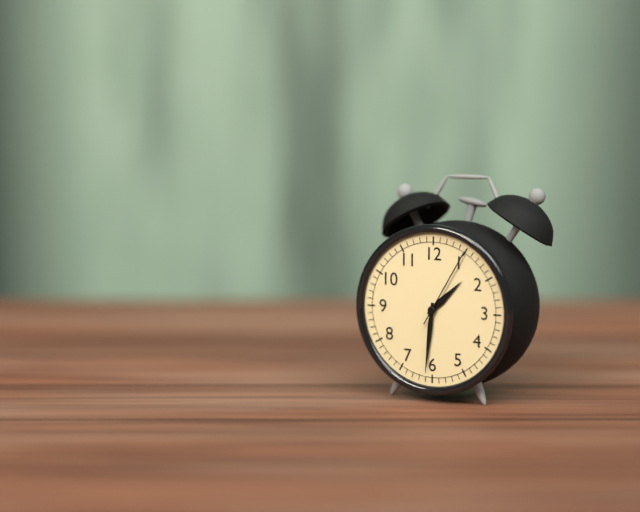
**1:31:05**
